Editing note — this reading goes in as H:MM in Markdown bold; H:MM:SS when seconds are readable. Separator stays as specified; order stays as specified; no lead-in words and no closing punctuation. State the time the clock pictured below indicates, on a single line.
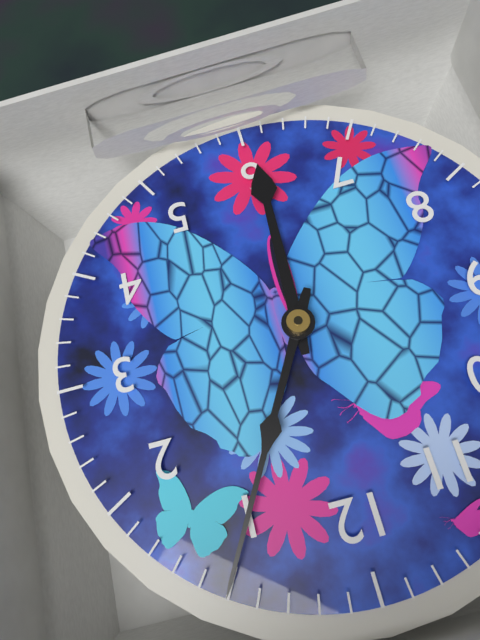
**6:05**
